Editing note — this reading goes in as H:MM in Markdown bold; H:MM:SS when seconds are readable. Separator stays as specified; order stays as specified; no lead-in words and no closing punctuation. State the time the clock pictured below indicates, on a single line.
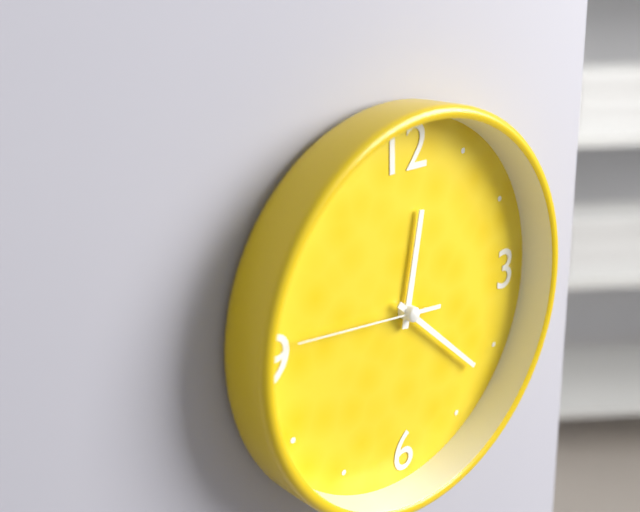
**12:22:46**
